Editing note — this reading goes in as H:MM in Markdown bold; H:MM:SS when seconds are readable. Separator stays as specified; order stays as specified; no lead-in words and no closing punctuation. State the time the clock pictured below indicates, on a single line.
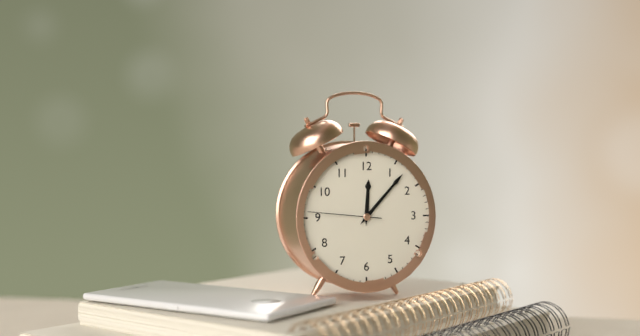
**12:07:46**
